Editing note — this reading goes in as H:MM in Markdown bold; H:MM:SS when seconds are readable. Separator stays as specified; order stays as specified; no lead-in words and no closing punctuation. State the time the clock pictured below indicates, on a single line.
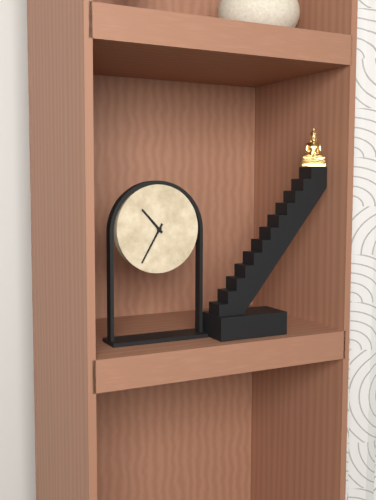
**10:35**
